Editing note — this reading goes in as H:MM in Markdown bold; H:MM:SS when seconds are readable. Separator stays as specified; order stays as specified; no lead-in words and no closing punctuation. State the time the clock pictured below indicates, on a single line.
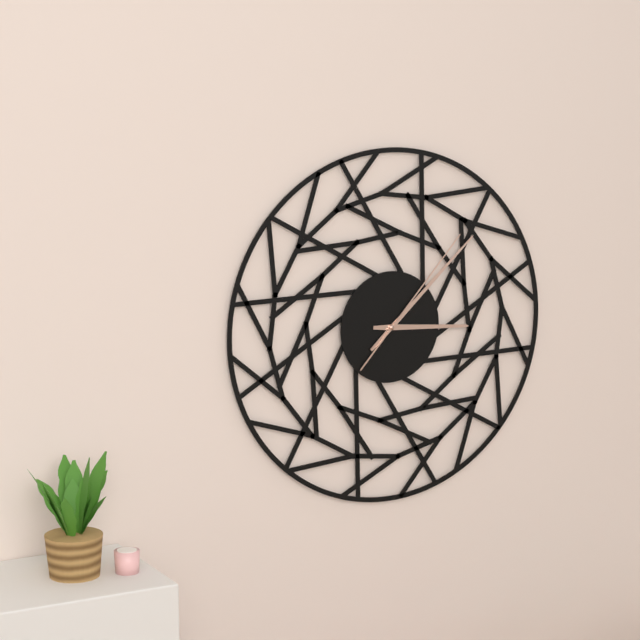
**3:08:07**
